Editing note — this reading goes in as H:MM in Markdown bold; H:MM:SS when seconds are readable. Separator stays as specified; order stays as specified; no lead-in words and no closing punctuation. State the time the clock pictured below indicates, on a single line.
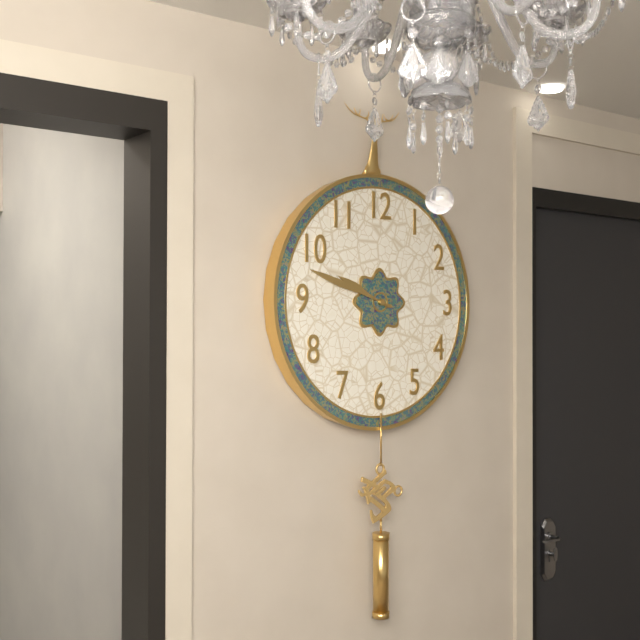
**9:48**
